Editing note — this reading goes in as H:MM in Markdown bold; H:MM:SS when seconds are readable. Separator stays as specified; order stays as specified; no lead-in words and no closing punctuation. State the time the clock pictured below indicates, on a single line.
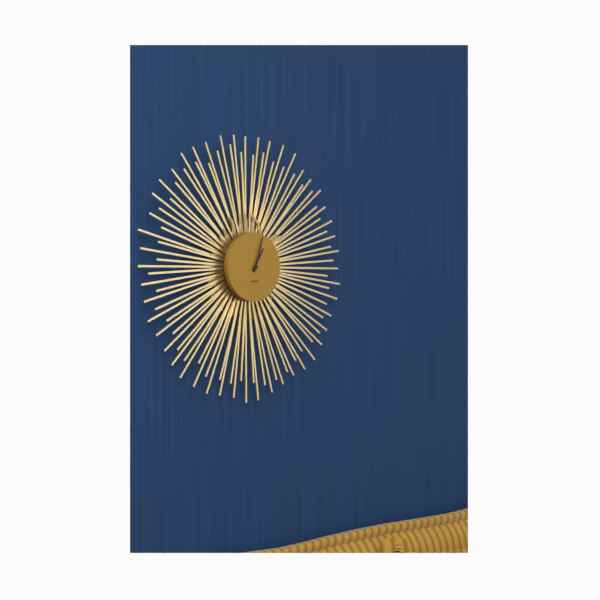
**1:03**
